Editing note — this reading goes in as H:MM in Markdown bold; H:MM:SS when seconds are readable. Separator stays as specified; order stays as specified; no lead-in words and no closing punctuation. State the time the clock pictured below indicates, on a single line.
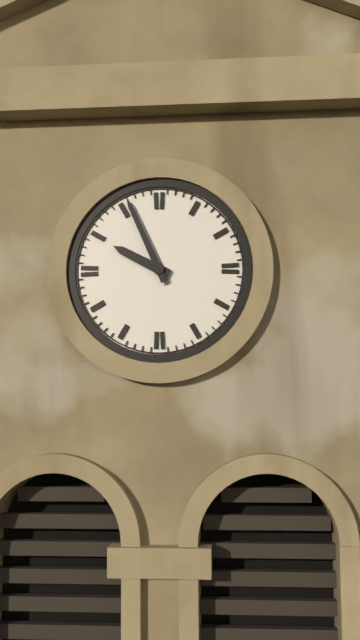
**9:56**
